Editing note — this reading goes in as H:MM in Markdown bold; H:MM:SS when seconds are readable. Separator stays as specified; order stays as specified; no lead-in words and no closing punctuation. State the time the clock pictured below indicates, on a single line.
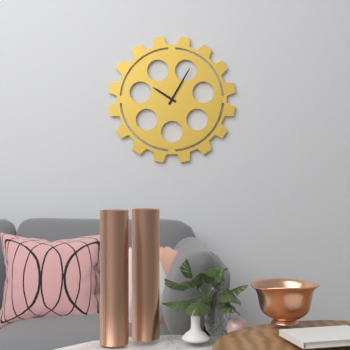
**10:05**
